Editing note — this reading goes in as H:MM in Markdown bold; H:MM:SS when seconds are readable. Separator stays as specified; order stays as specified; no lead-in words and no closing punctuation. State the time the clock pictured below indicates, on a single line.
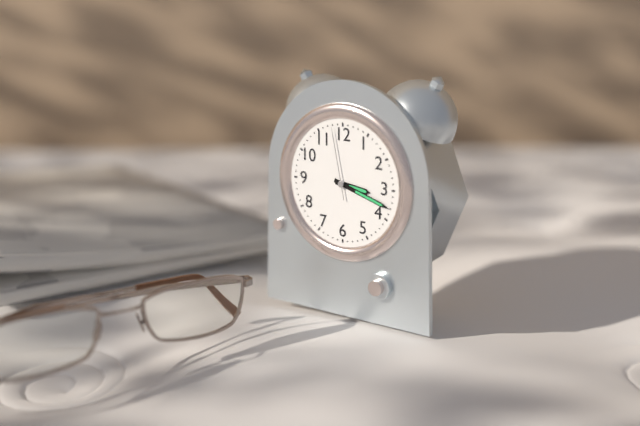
**3:18:58**
